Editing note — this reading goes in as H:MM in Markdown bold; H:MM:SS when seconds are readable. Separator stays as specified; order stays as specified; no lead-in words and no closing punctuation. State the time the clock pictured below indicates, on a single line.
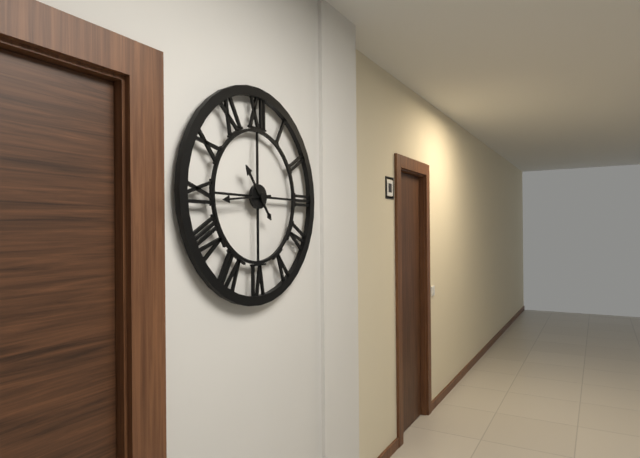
**10:44**
